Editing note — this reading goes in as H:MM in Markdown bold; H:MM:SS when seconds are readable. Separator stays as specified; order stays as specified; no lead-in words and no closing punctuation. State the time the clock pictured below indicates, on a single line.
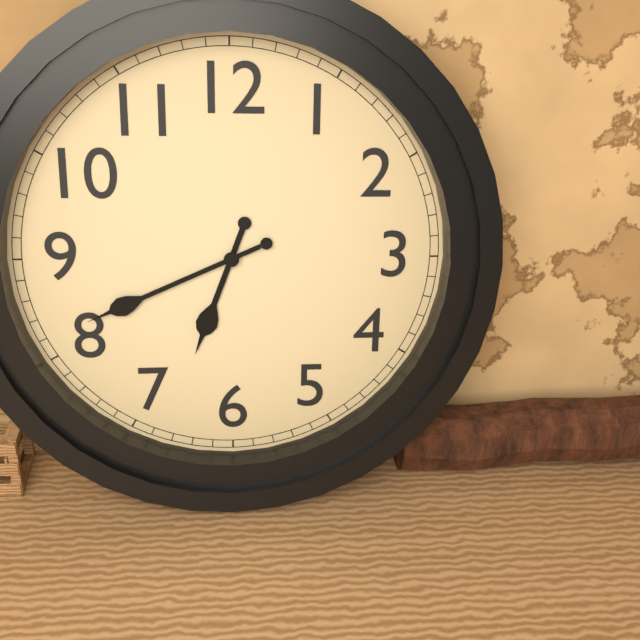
**6:41**
